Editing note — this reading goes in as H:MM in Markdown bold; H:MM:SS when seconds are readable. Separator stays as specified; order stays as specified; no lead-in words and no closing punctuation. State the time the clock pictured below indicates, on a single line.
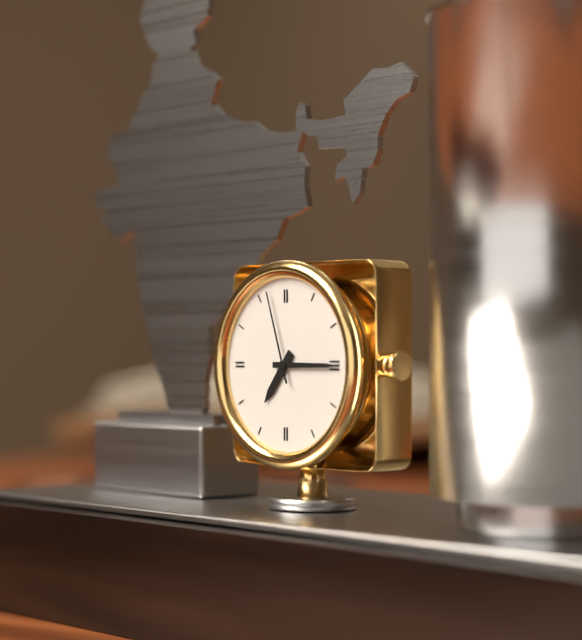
**7:15:57**
